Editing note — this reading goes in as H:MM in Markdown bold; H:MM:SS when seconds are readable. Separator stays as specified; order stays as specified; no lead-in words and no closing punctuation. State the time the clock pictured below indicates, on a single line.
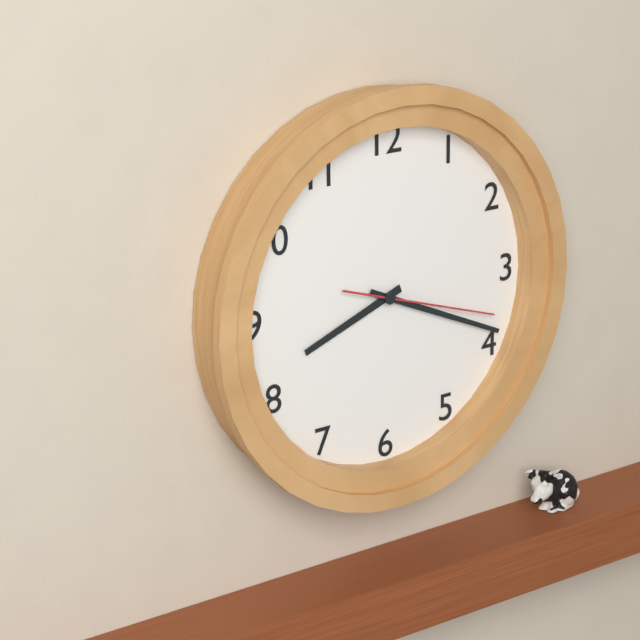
**8:19:18**
